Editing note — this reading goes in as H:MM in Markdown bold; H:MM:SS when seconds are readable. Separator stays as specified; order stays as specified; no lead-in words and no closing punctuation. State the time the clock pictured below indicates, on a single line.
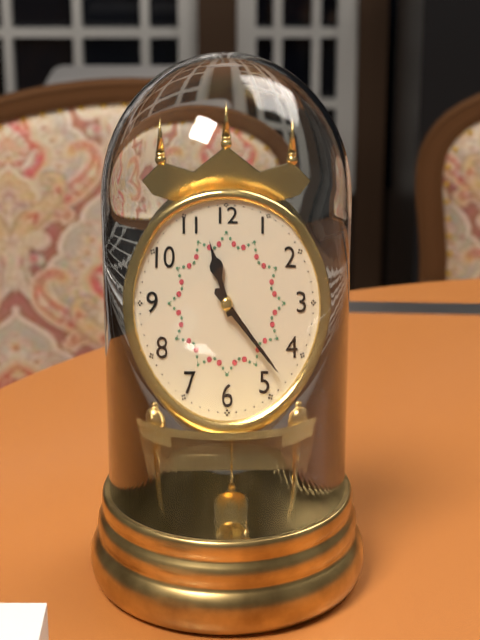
**11:23**
